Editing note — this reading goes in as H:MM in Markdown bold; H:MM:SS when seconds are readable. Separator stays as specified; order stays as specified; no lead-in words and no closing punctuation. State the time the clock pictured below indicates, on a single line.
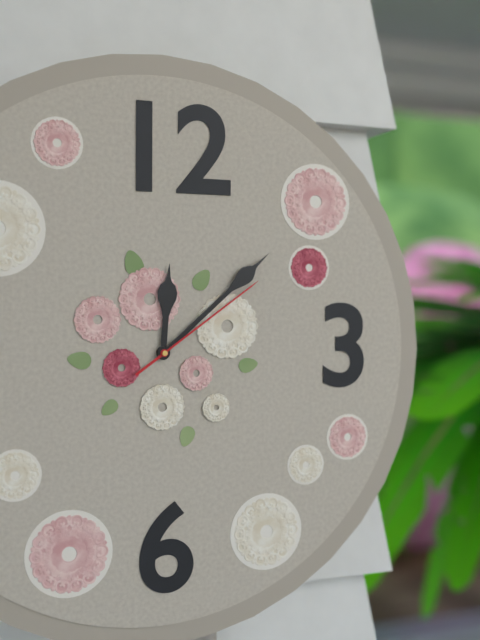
**12:08:09**
